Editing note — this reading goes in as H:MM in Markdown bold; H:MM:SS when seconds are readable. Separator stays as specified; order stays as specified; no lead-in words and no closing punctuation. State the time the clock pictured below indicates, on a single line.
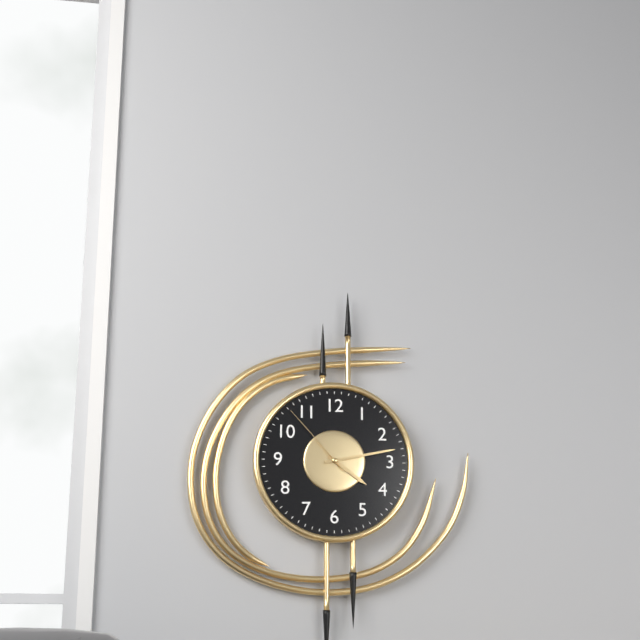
**4:13:53**
